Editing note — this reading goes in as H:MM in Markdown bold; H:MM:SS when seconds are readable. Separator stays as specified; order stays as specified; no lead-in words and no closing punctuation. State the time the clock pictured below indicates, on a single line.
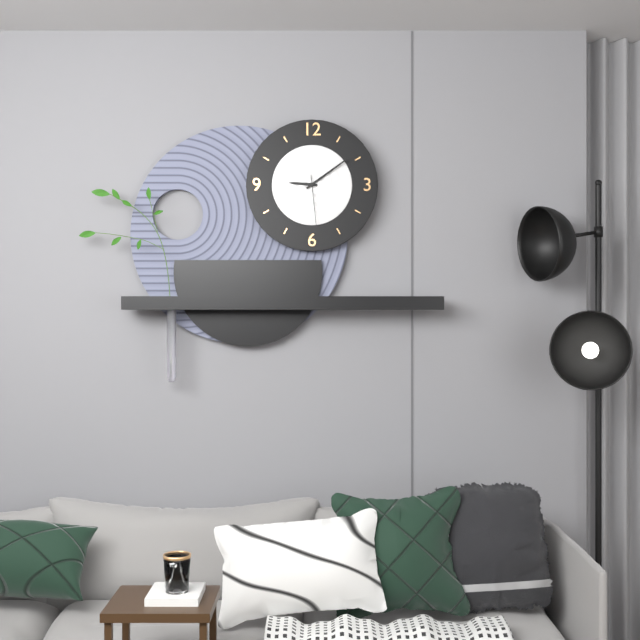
**9:09:29**
